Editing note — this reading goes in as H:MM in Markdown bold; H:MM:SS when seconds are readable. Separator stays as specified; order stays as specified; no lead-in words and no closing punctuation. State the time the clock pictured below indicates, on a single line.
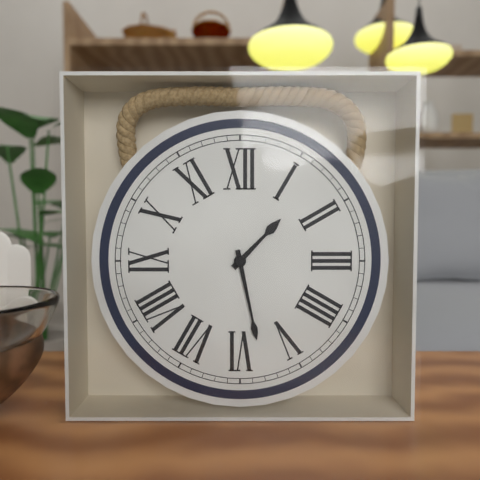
**1:28**
